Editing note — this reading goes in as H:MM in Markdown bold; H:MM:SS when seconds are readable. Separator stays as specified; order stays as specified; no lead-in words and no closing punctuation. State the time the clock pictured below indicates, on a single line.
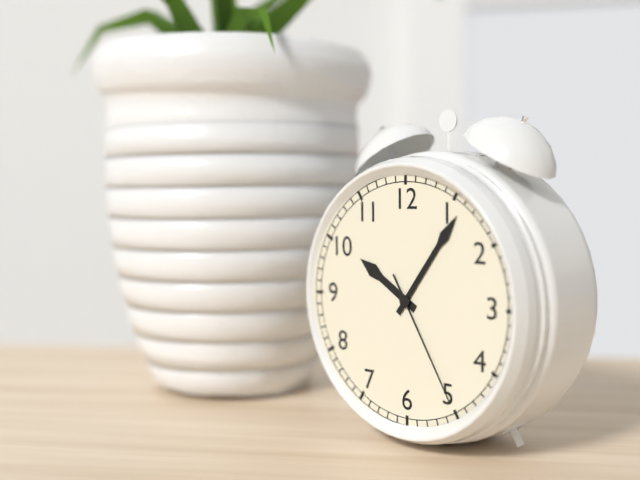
**10:06:25**
